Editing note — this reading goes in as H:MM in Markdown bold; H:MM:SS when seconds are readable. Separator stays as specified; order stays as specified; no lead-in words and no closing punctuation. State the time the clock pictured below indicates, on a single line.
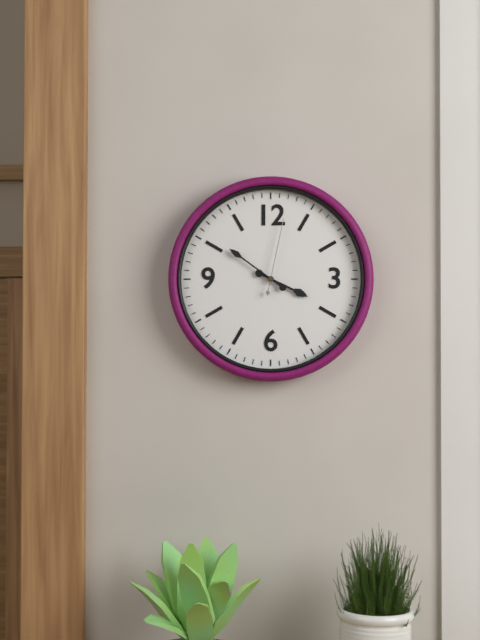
**3:51:02**
